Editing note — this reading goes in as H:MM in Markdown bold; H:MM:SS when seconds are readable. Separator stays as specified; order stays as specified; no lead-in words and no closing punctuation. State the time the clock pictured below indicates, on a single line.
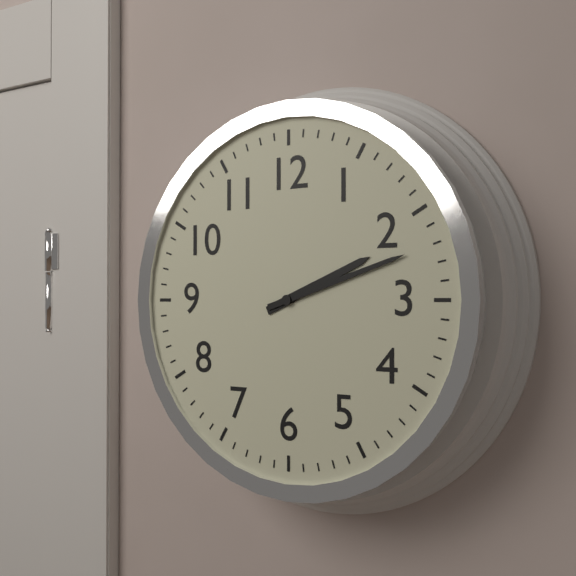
**2:12**
